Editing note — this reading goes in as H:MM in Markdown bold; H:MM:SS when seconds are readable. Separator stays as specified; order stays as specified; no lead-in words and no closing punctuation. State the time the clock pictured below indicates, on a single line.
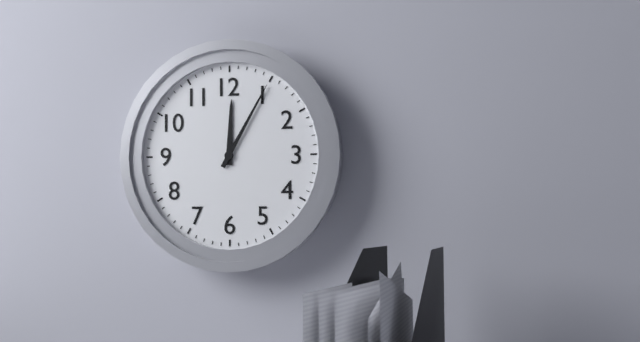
**12:05**
